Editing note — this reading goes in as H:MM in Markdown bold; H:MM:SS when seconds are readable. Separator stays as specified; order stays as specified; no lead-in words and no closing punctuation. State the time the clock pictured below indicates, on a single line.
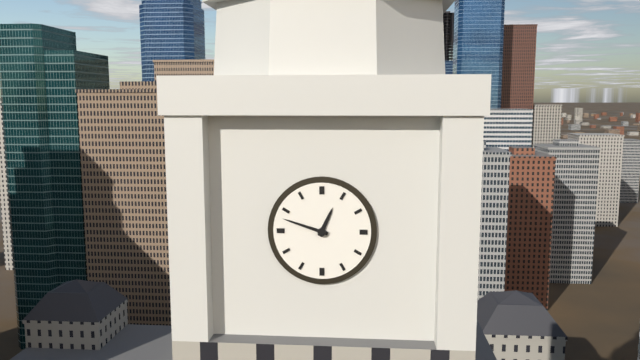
**12:48**
